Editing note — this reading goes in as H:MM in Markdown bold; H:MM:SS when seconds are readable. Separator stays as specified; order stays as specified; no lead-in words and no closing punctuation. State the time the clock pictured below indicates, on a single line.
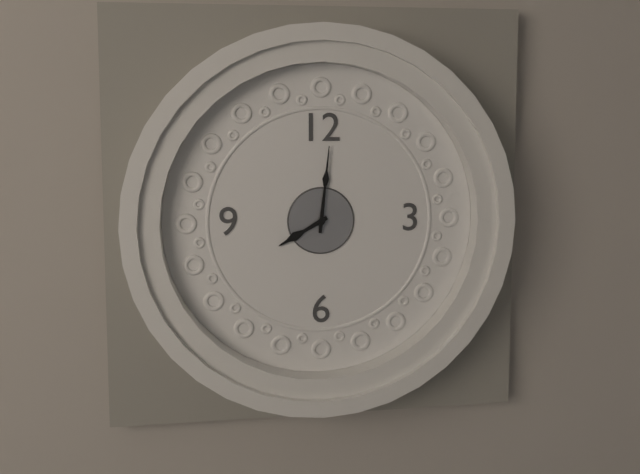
**8:01**
